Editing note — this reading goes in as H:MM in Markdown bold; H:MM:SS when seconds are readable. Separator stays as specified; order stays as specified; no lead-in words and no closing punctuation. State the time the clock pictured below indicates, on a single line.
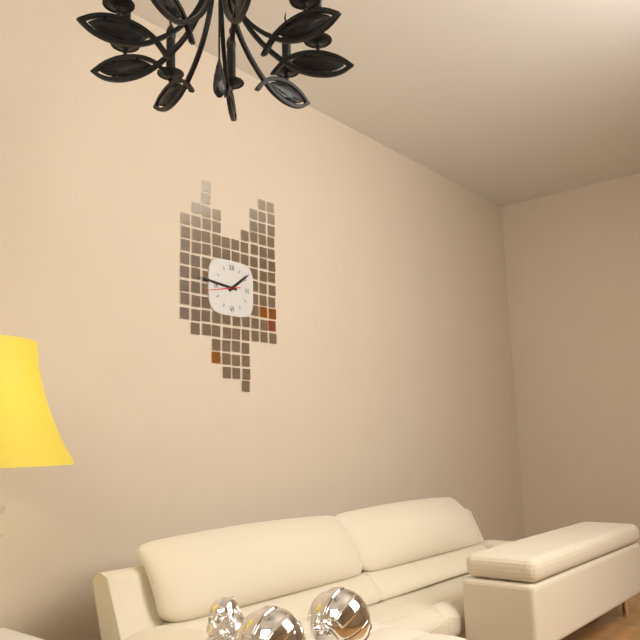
**1:46**
